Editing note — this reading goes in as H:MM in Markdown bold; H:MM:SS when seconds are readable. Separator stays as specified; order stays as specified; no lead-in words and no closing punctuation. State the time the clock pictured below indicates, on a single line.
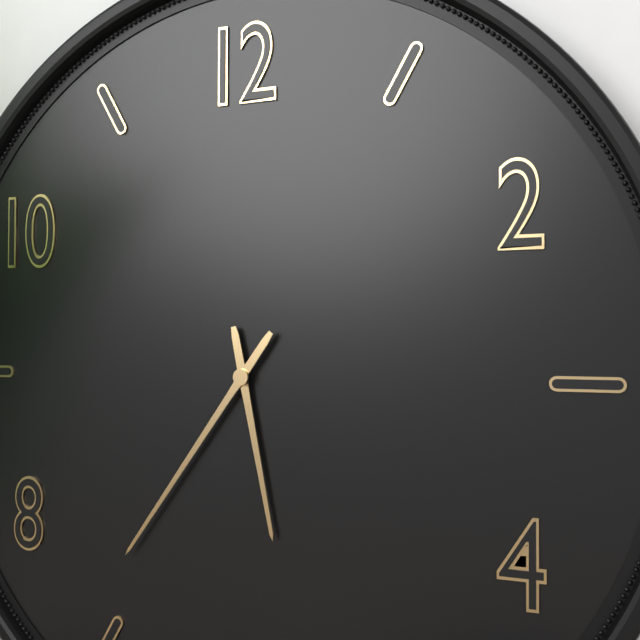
**5:36**
